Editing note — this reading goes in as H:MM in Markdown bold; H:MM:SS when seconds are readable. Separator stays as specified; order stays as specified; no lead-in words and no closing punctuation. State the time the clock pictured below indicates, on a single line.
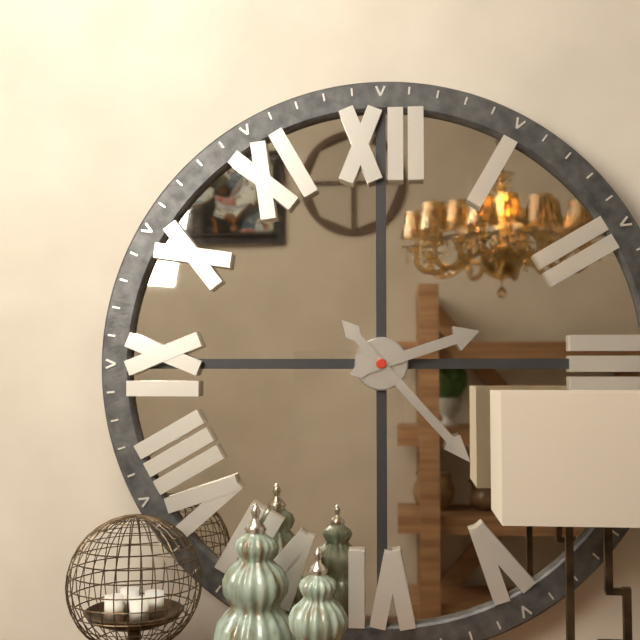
**2:23**
